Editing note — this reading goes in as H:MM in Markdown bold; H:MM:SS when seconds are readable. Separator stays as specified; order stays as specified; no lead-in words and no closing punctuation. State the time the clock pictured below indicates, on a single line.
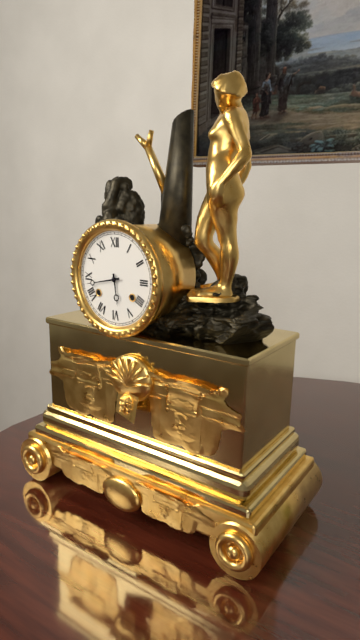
**5:43**
